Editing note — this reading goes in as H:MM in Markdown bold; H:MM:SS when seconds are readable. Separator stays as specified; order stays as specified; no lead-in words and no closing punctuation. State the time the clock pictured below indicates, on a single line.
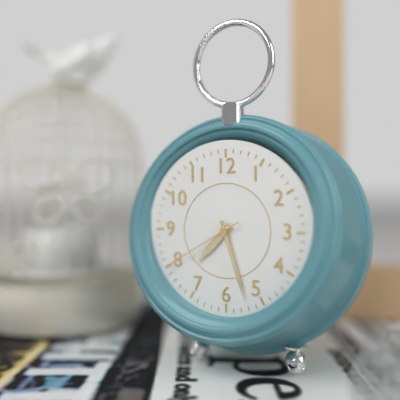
**7:27:40**
